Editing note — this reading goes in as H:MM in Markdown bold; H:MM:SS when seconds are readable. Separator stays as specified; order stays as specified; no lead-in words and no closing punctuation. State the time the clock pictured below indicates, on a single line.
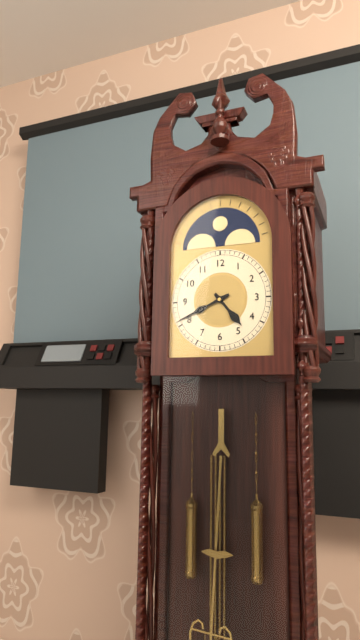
**4:41**
